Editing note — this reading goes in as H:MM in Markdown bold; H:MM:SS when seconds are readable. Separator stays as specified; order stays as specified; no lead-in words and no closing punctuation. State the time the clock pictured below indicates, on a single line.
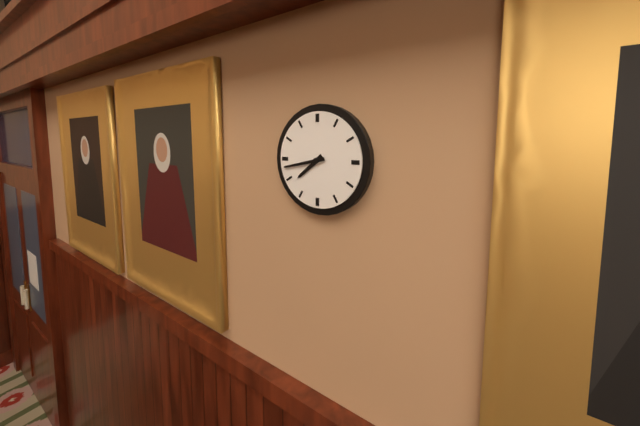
**7:43**
